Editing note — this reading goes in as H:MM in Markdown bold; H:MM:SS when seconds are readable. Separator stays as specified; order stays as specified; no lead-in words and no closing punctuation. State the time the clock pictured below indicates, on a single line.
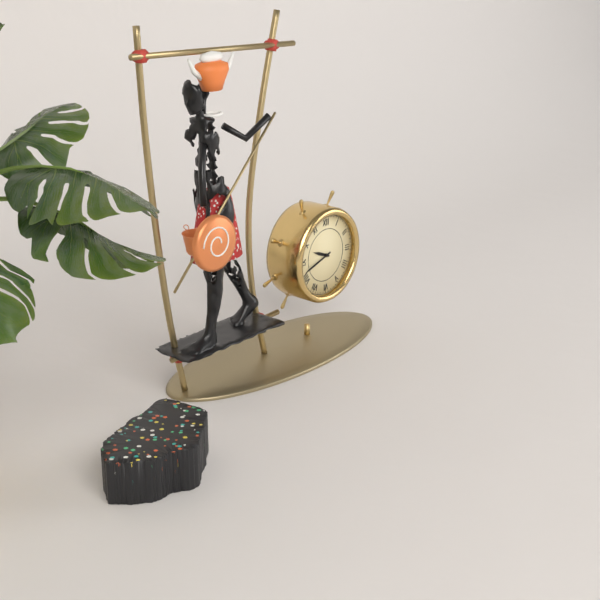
**9:42**
